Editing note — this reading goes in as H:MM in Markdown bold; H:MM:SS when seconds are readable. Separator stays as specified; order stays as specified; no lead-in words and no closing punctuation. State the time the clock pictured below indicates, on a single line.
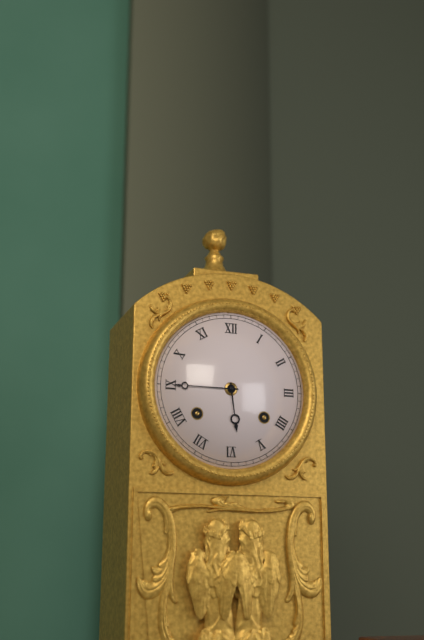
**5:45**
